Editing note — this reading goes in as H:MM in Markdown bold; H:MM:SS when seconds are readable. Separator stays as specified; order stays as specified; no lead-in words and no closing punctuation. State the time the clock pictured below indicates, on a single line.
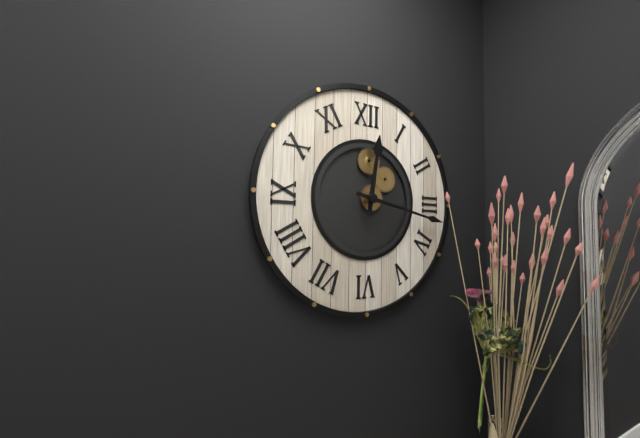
**12:17**
